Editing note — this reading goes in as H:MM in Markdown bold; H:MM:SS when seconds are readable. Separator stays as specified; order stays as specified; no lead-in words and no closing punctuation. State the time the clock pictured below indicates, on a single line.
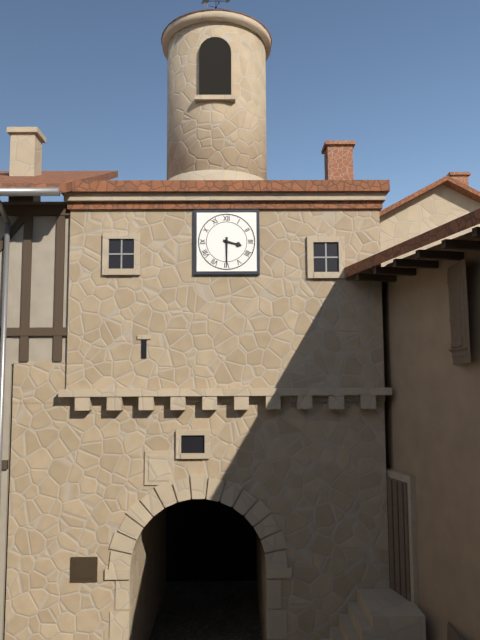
**3:30**
